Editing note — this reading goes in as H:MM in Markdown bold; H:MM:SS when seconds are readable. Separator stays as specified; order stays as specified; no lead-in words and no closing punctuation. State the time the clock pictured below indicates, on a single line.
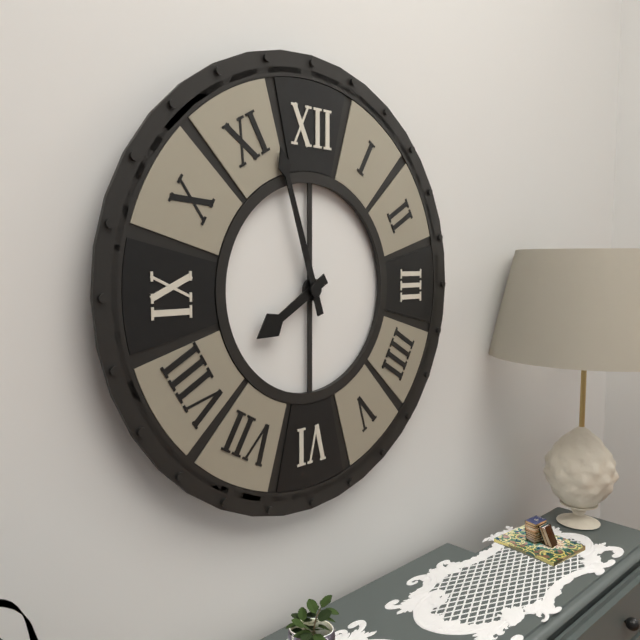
**7:57**
